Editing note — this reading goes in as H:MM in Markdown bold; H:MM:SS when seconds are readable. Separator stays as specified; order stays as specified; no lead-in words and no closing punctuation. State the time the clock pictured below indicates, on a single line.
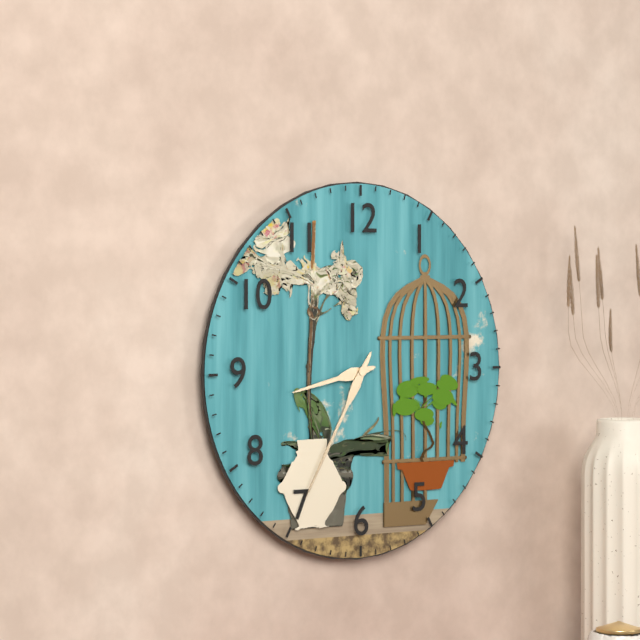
**8:35**
